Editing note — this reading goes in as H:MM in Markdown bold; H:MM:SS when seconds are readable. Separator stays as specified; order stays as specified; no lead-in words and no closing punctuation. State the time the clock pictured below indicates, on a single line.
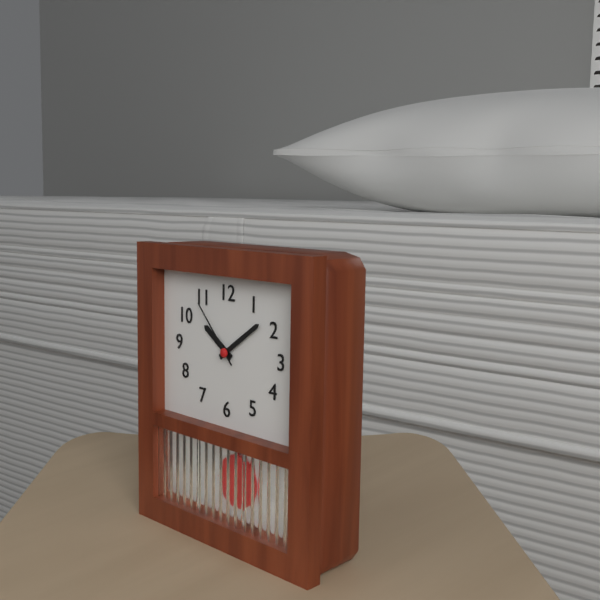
**10:09:53**
